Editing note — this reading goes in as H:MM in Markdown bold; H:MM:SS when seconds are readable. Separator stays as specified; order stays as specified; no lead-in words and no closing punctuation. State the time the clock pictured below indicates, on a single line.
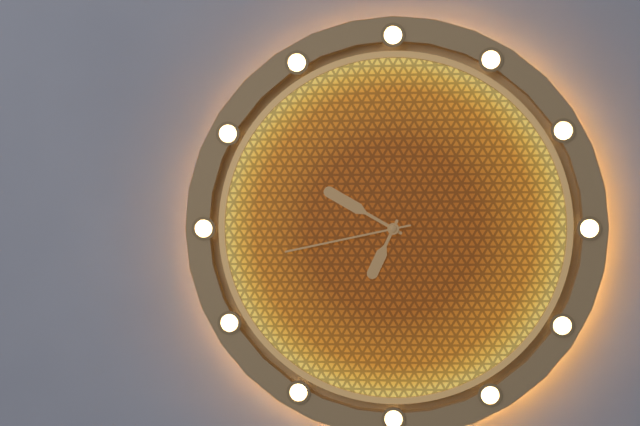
**6:50:43**
